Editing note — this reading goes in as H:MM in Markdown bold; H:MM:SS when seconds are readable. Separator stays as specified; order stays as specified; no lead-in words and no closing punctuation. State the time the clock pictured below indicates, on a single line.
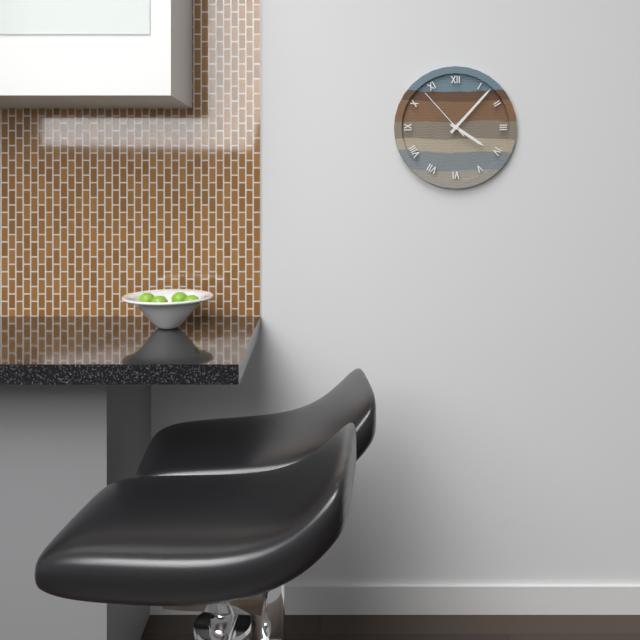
**4:07:53**
